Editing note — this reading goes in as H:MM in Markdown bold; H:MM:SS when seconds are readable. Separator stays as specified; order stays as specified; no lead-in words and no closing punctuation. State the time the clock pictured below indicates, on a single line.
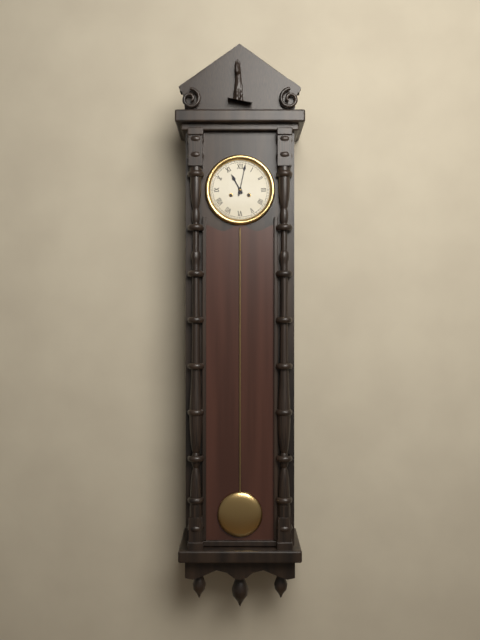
**11:02**
